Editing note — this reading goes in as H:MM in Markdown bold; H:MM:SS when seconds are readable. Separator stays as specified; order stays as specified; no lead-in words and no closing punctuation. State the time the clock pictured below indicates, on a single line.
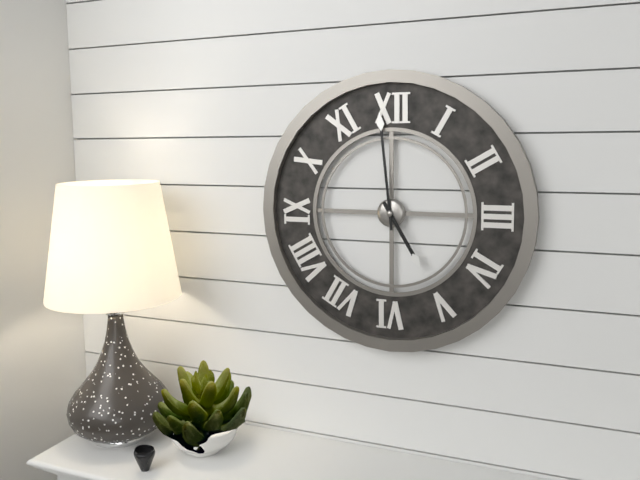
**4:59**
